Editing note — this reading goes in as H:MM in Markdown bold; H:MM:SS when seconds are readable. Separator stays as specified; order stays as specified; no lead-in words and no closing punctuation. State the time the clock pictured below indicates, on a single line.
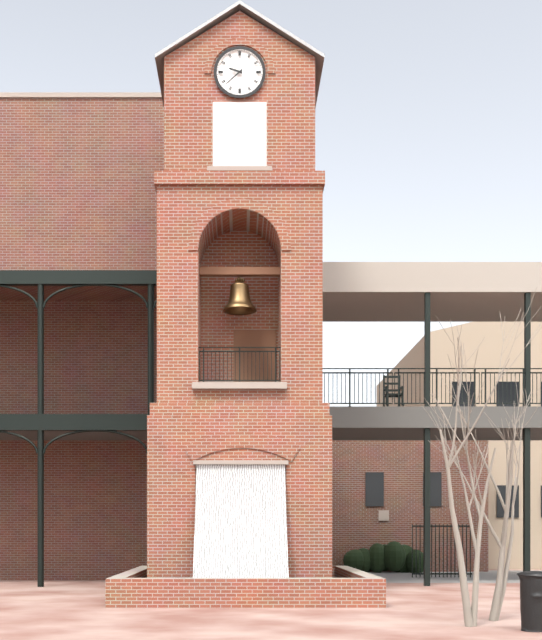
**9:38**
